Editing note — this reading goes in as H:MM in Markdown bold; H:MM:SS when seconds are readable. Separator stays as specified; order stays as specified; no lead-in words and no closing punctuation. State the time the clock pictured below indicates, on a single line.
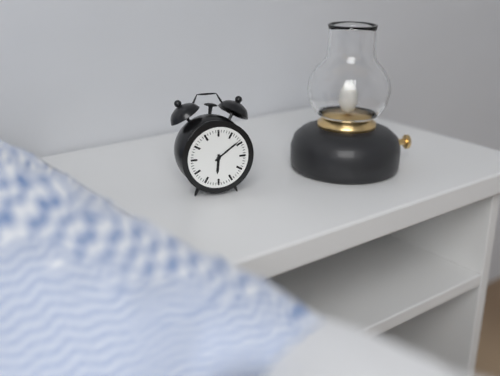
**6:09**
